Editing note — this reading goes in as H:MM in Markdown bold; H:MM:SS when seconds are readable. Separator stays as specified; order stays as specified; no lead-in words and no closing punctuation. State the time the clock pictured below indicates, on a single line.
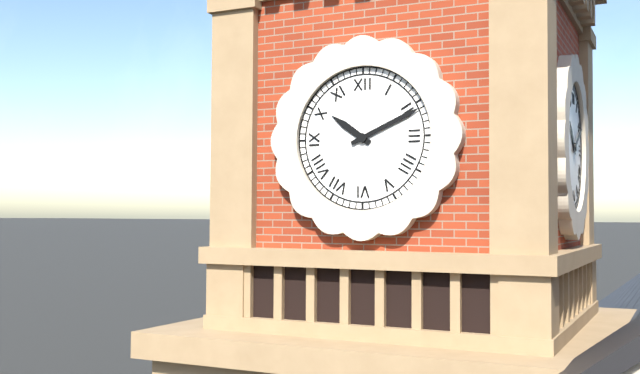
**10:11**
